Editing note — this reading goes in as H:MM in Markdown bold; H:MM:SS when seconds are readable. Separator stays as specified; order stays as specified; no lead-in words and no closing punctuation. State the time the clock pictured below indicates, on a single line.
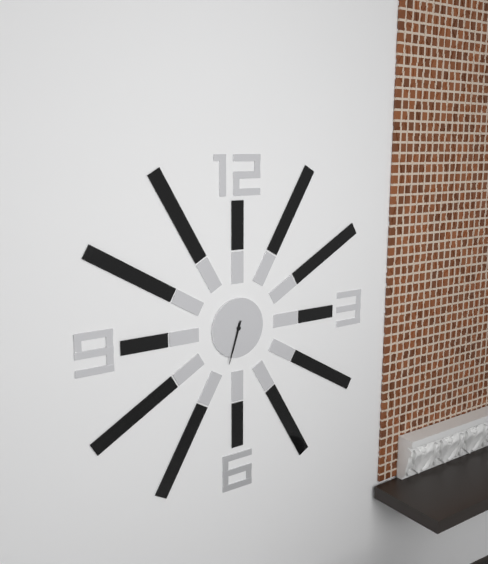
**6:33**
